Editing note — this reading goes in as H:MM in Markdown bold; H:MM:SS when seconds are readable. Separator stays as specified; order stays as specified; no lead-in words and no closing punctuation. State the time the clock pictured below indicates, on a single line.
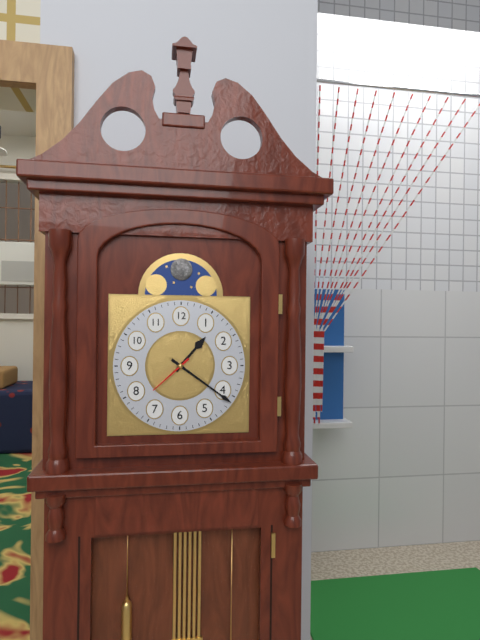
**1:21**
